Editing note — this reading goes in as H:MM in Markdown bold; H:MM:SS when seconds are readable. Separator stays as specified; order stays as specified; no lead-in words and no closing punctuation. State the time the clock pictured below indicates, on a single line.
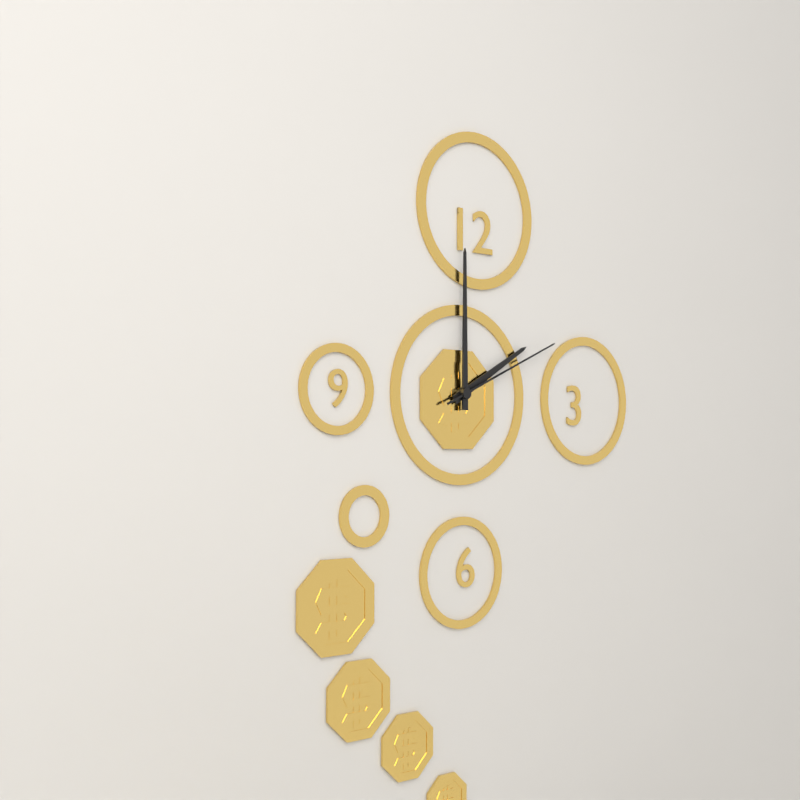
**2:00:11**
